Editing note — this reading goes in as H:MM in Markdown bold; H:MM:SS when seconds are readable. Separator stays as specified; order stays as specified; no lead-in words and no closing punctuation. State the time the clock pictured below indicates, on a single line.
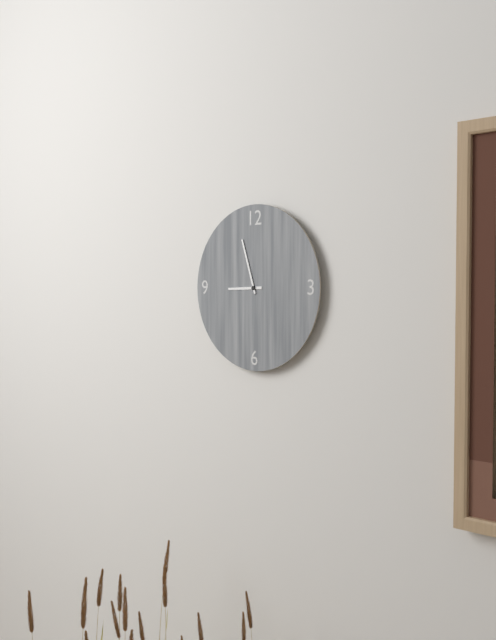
**8:57**
